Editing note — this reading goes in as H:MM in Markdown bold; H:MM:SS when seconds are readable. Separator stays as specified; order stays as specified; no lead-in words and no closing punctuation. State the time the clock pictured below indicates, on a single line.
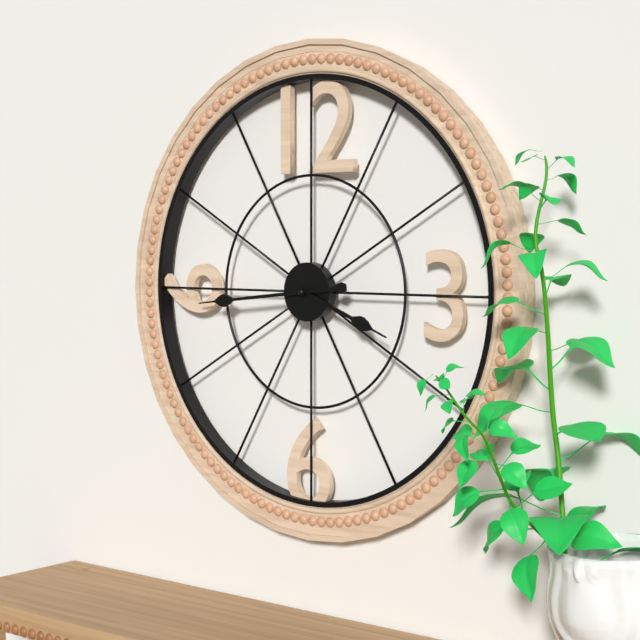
**3:44**
